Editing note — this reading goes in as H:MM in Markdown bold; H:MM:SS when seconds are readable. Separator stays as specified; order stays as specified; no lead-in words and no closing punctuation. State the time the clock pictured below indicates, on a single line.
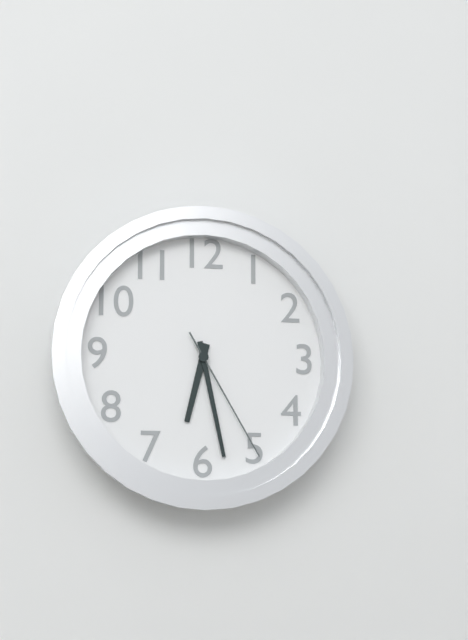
**6:28:25**
